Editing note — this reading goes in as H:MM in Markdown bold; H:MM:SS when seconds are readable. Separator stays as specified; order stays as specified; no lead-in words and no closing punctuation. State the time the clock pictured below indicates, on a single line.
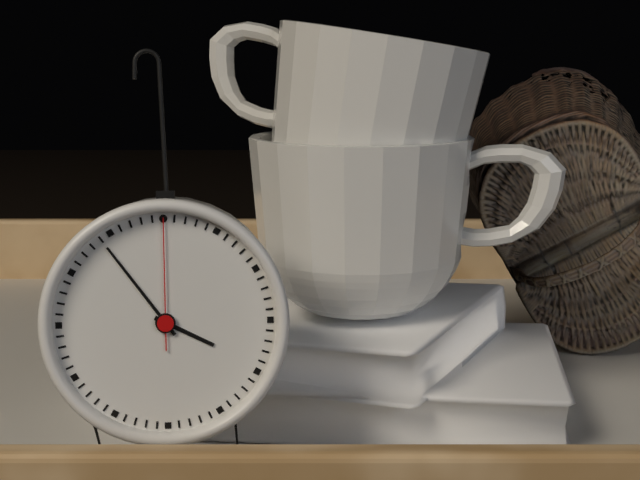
**3:54:00**
